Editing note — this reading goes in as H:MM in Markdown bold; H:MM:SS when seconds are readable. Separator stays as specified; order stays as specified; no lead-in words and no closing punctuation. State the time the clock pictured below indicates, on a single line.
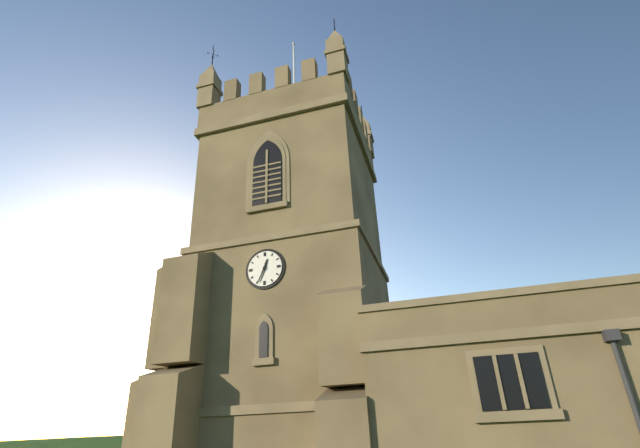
**12:34**
